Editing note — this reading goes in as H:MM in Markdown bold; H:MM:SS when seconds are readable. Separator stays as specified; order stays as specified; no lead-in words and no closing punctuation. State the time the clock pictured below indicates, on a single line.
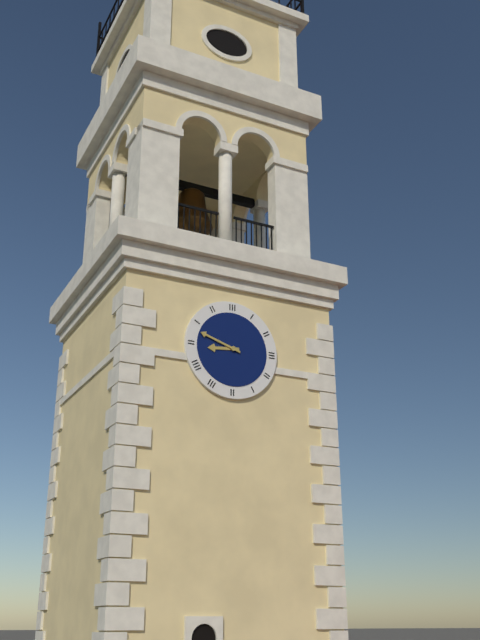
**8:48**
